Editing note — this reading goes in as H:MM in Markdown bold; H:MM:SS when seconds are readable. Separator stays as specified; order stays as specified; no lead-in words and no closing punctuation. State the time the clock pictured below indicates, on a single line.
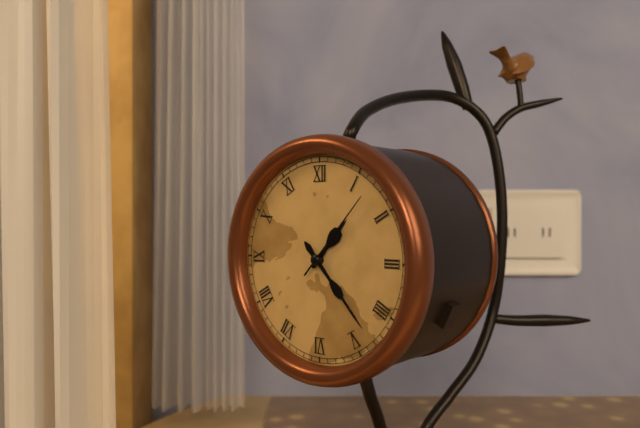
**1:23:07**
